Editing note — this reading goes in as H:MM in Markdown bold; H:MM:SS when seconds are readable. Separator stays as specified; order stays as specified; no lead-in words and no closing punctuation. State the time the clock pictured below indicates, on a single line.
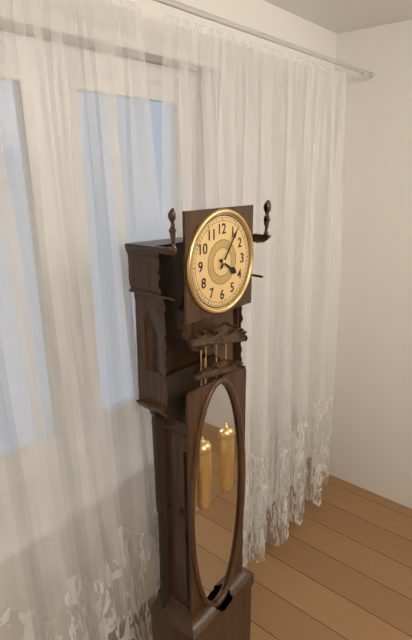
**4:06**
